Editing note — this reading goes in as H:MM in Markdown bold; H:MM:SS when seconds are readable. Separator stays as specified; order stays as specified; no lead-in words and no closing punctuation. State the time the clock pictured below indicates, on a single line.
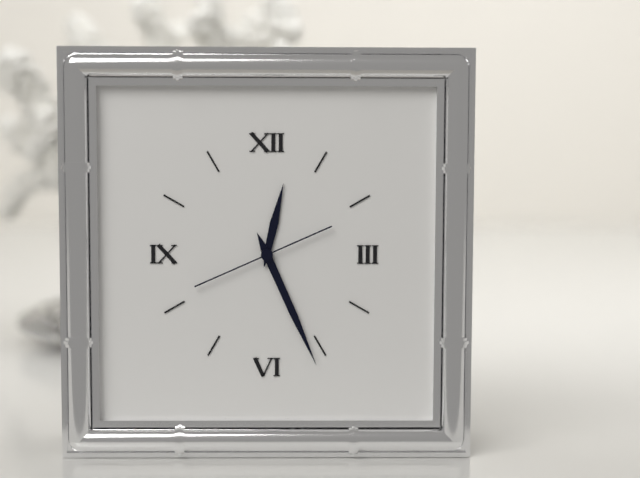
**12:26:41**
